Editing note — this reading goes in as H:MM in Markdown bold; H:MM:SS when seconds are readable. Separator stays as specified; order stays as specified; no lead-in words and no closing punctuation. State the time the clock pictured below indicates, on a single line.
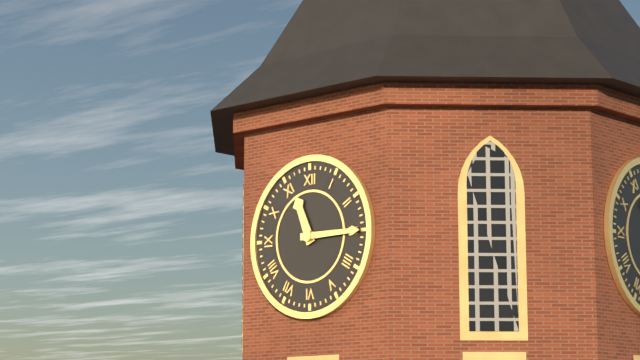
**11:15**
